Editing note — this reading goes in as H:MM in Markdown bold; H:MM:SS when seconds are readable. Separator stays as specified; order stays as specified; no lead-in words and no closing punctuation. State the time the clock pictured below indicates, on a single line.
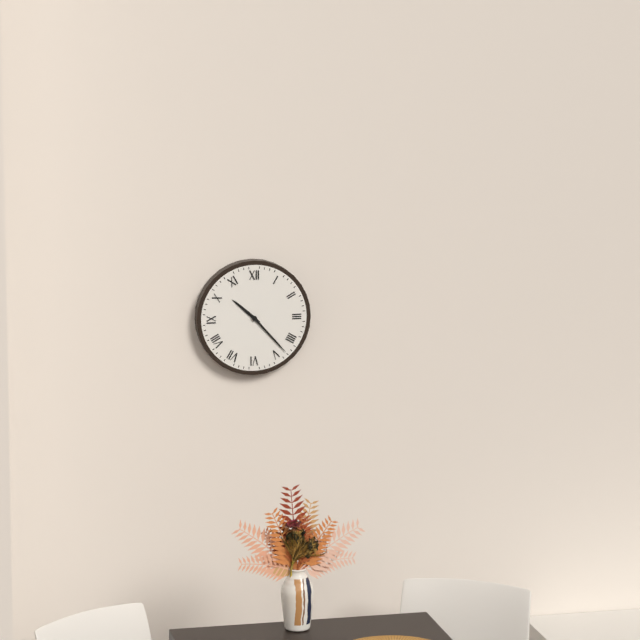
**10:23**
